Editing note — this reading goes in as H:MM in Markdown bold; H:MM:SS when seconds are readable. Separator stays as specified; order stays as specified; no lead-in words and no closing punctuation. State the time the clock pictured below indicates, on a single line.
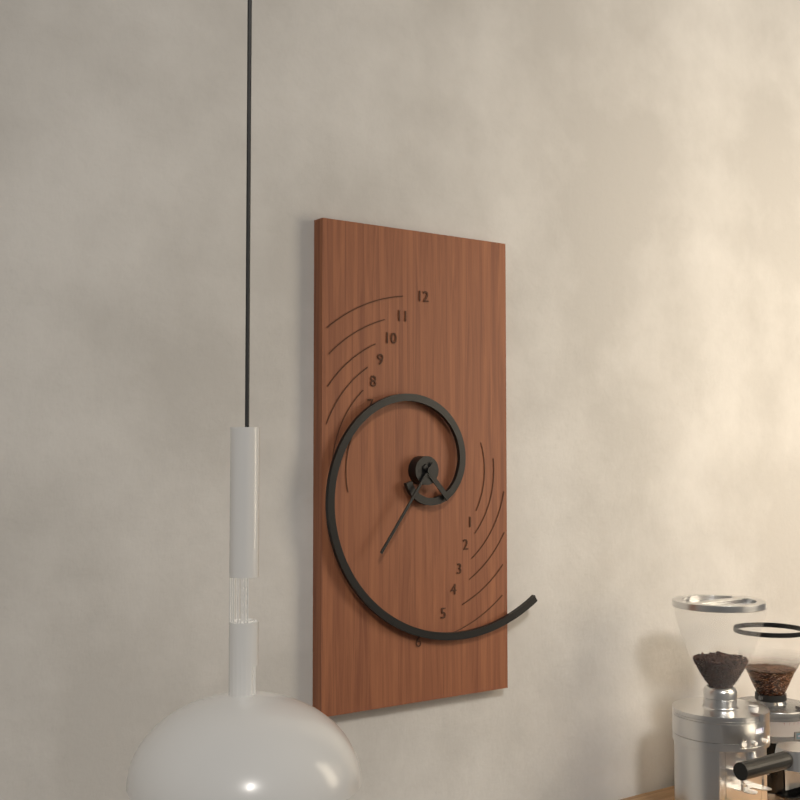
**4:36**
